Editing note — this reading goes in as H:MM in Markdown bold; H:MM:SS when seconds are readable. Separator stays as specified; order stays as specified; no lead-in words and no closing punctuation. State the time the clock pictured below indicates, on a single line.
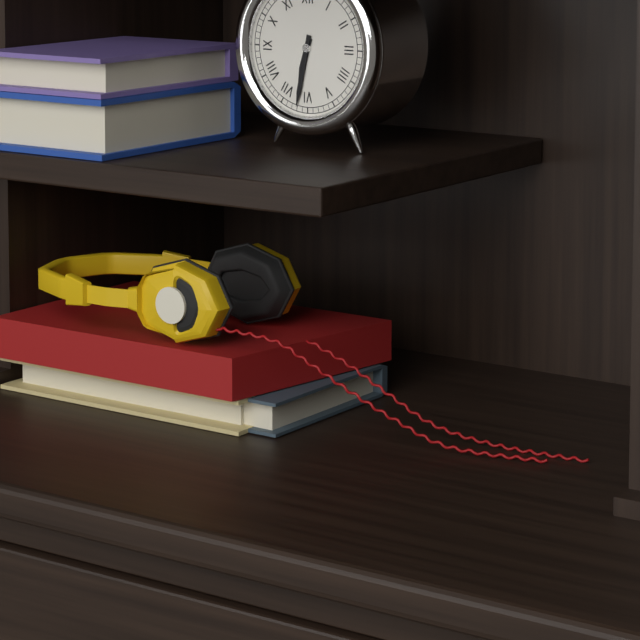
**6:32**
